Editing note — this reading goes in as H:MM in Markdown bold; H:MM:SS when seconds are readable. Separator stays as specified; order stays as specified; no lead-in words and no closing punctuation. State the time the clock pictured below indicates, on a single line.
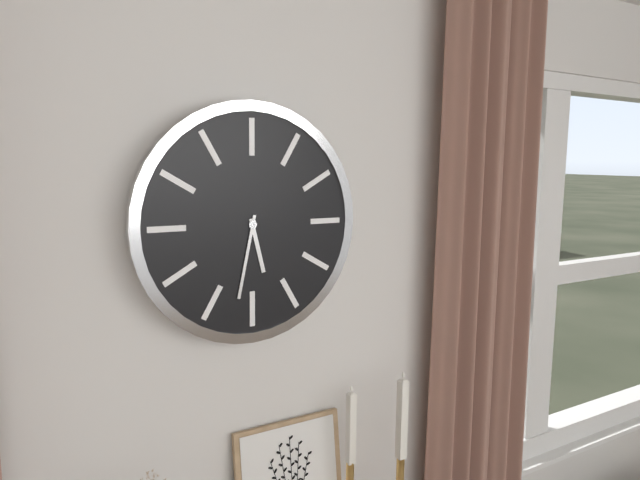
**5:32**
